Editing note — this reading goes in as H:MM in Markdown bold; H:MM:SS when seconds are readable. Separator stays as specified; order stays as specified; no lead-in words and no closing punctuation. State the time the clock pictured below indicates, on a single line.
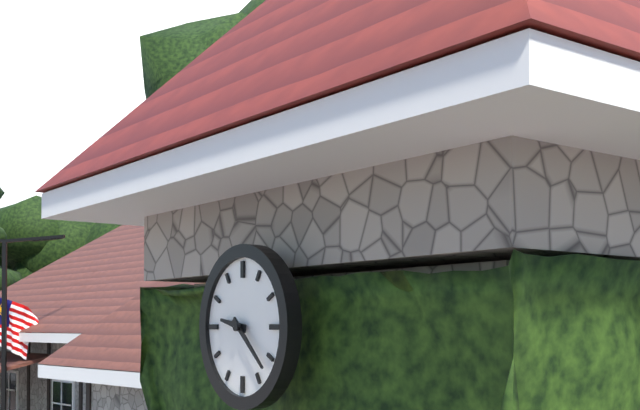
**9:22**
